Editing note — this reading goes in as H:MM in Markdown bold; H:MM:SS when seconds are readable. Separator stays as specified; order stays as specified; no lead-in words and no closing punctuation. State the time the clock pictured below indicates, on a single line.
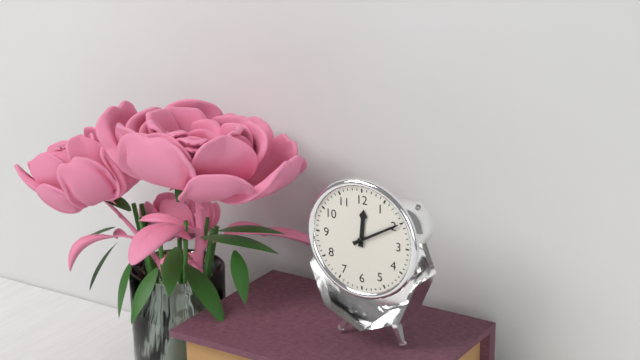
**12:10**
